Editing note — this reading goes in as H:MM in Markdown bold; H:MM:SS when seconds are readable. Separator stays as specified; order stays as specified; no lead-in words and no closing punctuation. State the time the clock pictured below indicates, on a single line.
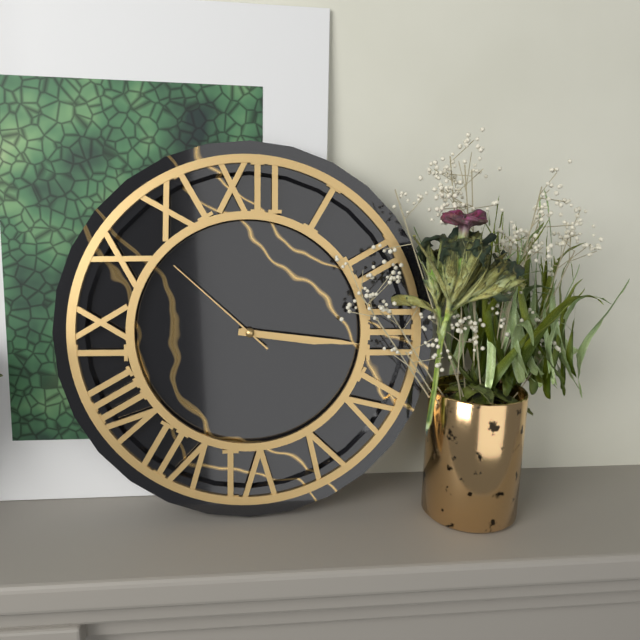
**3:16:52**
